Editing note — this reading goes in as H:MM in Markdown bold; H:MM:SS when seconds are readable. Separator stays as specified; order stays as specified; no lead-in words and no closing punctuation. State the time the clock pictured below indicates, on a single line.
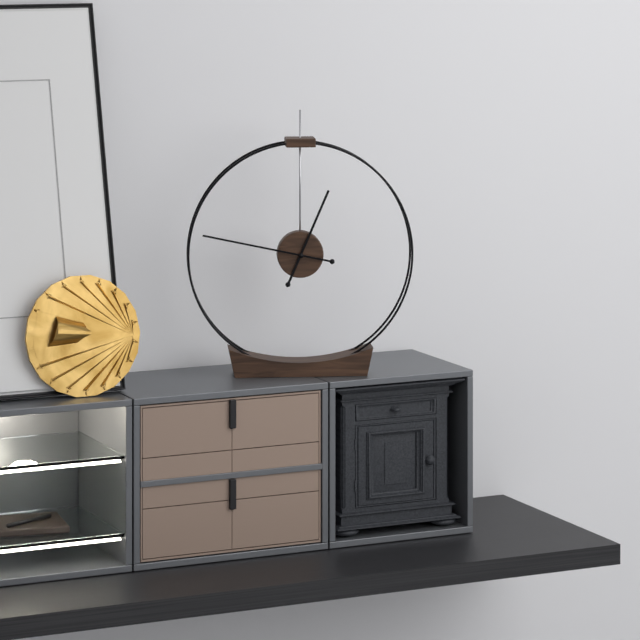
**12:47**
